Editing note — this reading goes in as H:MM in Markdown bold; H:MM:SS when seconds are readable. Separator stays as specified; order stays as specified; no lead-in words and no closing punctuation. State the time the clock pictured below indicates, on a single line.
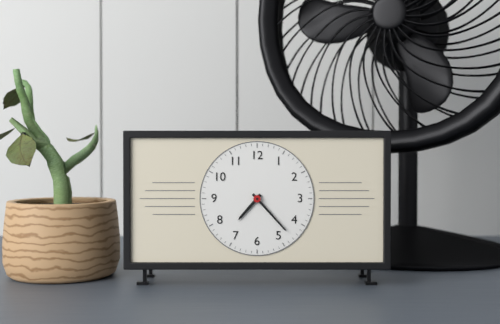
**7:23**
